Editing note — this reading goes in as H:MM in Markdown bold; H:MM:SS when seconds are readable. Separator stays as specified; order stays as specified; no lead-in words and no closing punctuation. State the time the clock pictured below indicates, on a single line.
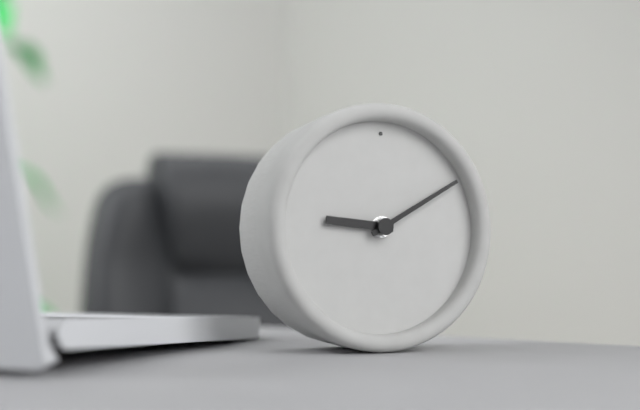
**9:10**
